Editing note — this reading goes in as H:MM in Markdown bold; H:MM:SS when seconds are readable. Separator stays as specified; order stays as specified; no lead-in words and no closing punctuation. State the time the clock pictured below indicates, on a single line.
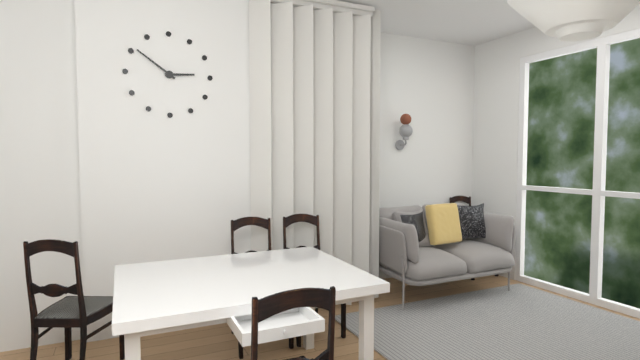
**2:51**
